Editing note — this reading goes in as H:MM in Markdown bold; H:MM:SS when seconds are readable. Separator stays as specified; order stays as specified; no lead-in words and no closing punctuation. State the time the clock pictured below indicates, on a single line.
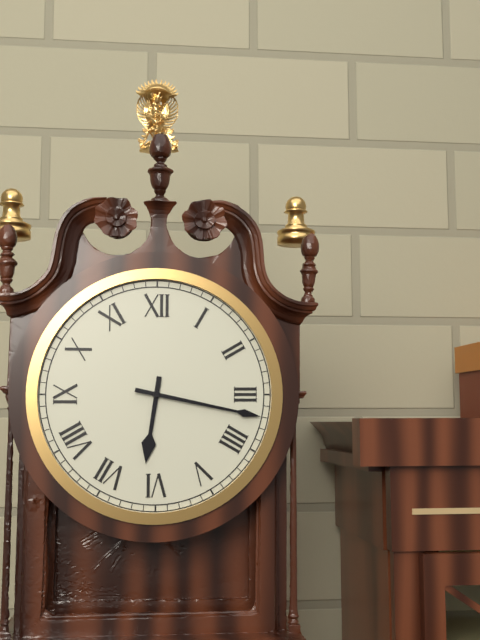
**6:17**
